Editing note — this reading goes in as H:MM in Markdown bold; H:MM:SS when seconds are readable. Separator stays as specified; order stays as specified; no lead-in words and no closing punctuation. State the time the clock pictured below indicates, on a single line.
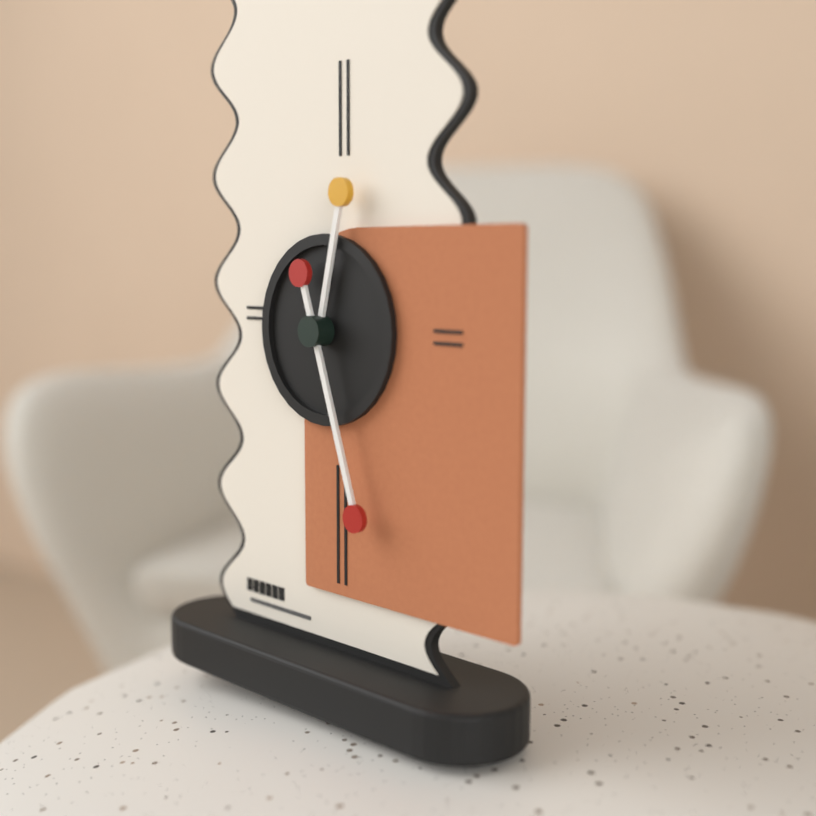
**12:27**
